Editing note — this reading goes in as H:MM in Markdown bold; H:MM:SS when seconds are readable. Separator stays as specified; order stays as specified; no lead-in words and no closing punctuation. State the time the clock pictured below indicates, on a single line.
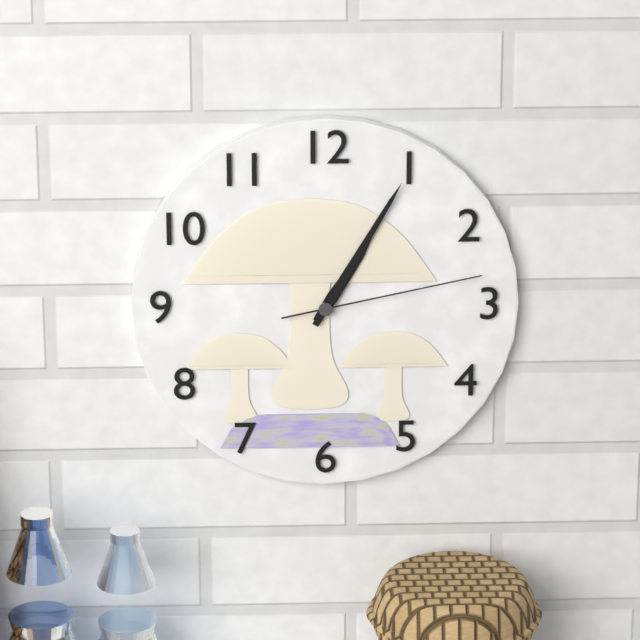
**1:05:13**
